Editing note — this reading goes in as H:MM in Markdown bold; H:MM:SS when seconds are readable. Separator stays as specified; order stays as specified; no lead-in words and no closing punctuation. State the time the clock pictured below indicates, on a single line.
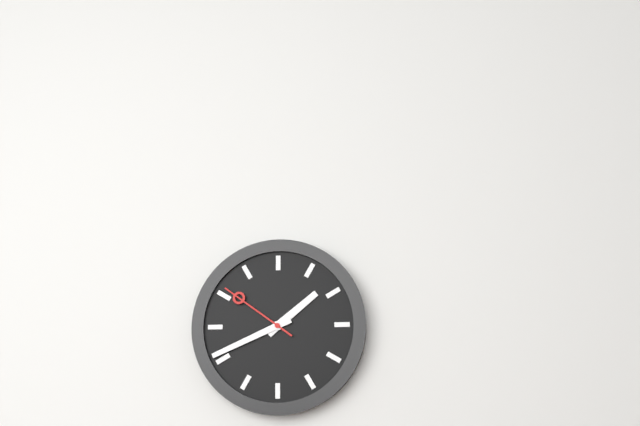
**1:41:51**
